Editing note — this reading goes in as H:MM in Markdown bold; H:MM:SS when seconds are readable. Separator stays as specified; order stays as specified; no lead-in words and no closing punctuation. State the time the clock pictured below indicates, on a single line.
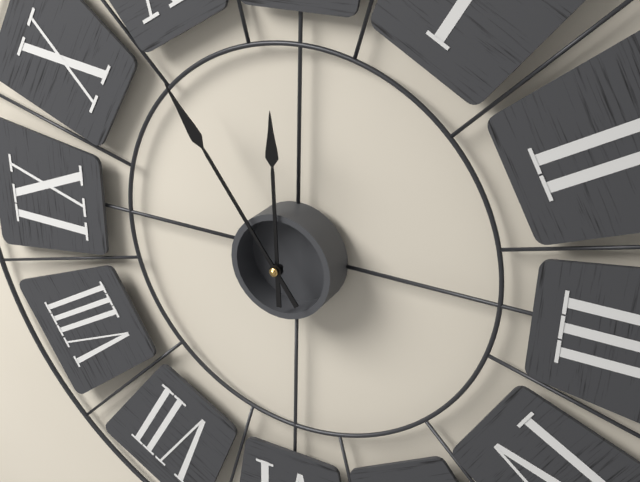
**11:54**
